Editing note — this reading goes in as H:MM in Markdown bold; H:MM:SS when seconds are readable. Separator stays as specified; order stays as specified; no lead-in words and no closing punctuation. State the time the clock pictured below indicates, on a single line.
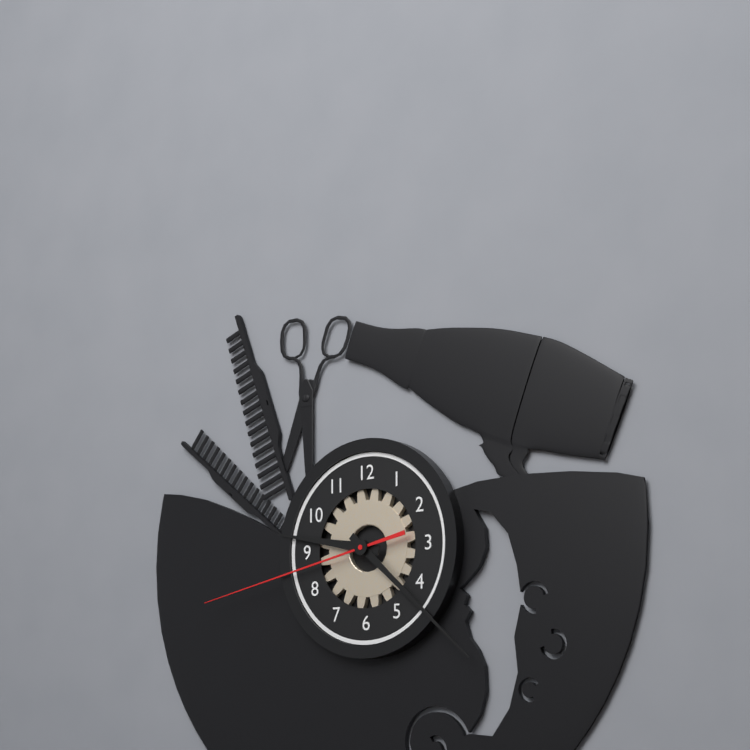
**9:22:43**
